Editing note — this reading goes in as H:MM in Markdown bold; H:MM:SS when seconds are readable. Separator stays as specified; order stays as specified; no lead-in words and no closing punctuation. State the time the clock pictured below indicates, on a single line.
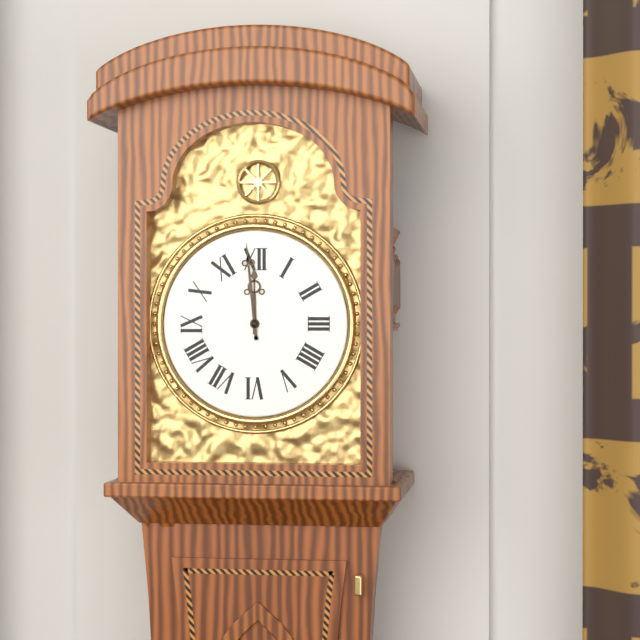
**11:59**
